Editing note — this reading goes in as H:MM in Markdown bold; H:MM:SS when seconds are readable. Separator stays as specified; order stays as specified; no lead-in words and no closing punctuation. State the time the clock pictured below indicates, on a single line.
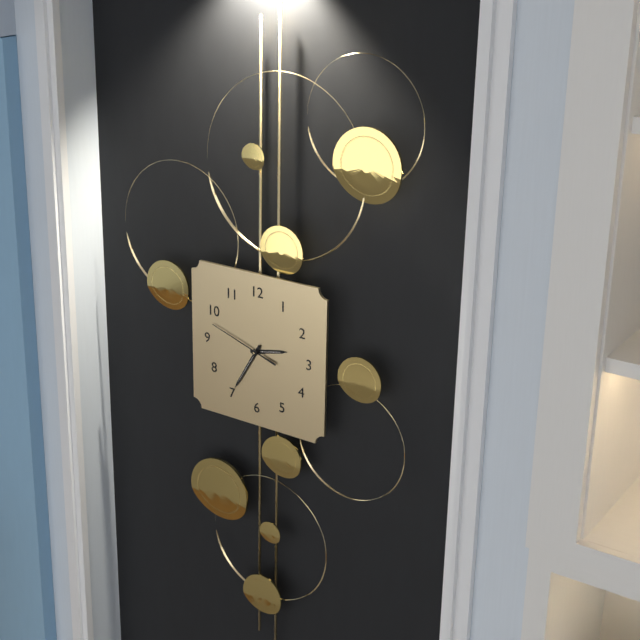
**2:35:48**
